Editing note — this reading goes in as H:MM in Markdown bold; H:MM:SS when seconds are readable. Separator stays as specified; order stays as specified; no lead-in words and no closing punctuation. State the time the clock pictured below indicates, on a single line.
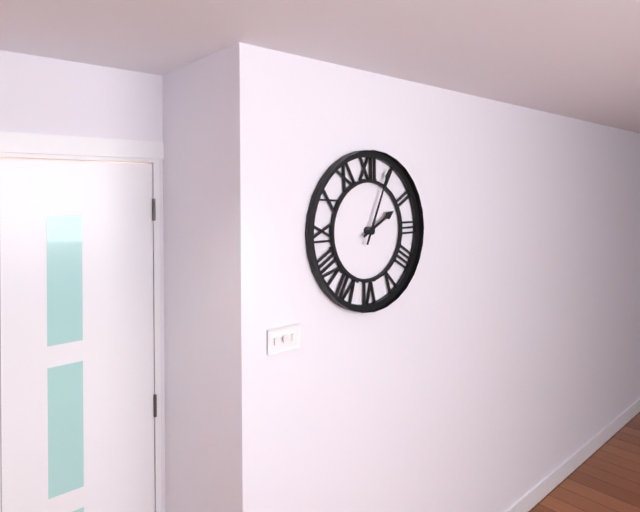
**2:04**
